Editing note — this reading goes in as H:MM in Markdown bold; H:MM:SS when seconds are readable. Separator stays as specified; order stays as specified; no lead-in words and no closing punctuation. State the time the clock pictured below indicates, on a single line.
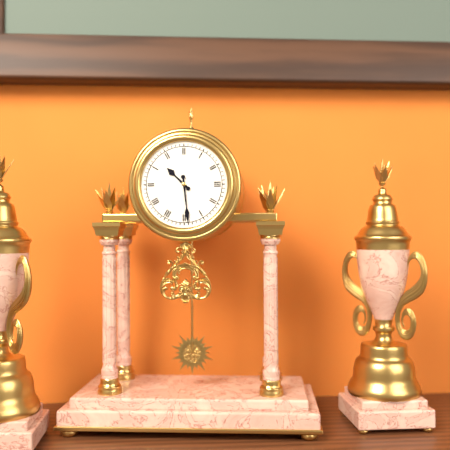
**10:29**
